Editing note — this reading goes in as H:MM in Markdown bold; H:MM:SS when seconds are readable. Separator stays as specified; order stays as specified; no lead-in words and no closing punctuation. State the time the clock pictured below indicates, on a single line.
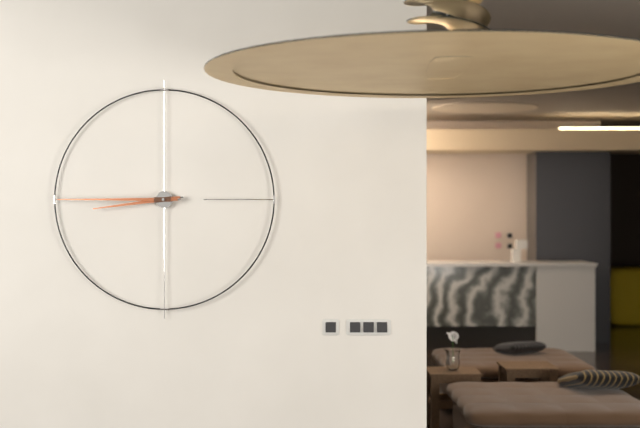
**8:45**
